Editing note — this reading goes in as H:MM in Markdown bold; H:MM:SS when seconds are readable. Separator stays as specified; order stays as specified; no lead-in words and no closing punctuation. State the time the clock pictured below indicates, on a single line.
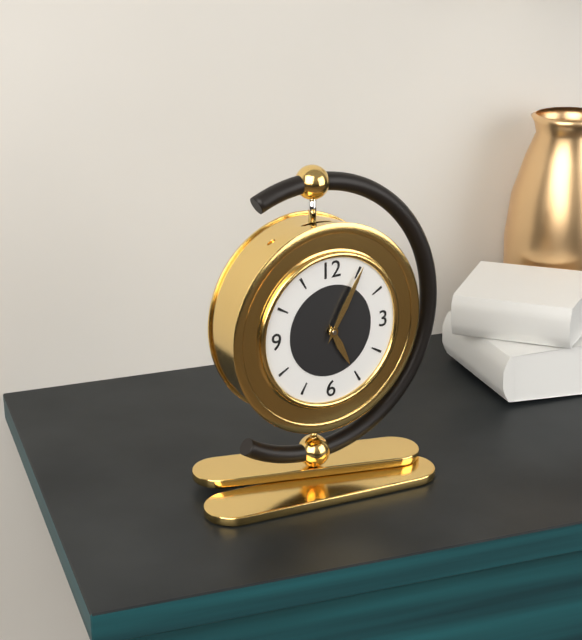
**5:05**
